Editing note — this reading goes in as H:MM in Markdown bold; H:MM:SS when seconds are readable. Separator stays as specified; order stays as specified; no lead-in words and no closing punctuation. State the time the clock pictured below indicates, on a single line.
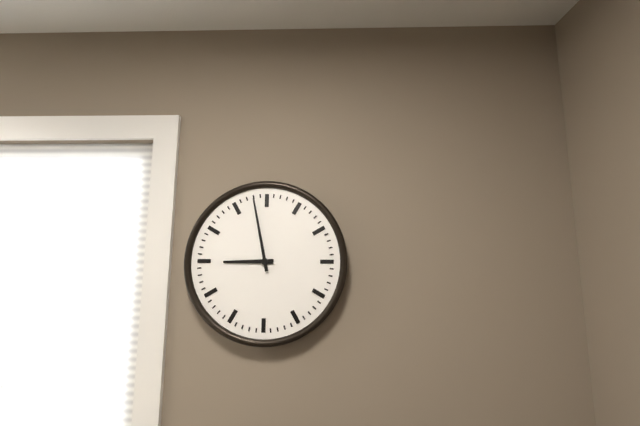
**8:58**
